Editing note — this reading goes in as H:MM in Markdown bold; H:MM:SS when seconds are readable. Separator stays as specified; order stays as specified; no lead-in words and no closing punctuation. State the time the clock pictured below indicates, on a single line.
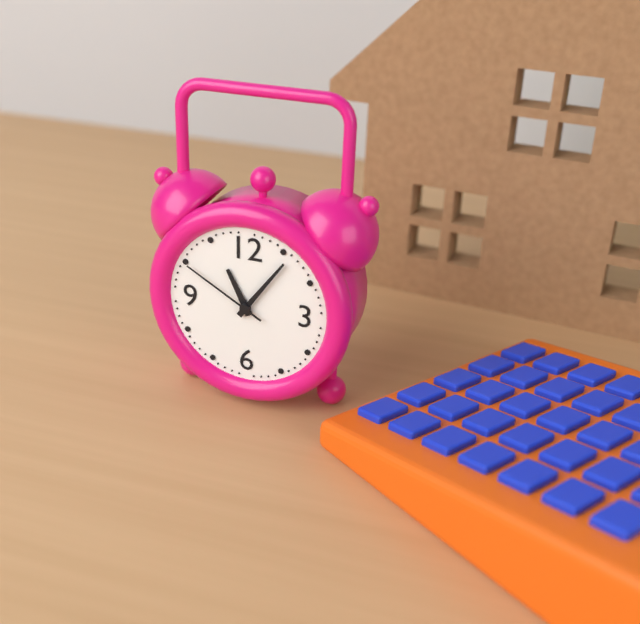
**11:06:50**
